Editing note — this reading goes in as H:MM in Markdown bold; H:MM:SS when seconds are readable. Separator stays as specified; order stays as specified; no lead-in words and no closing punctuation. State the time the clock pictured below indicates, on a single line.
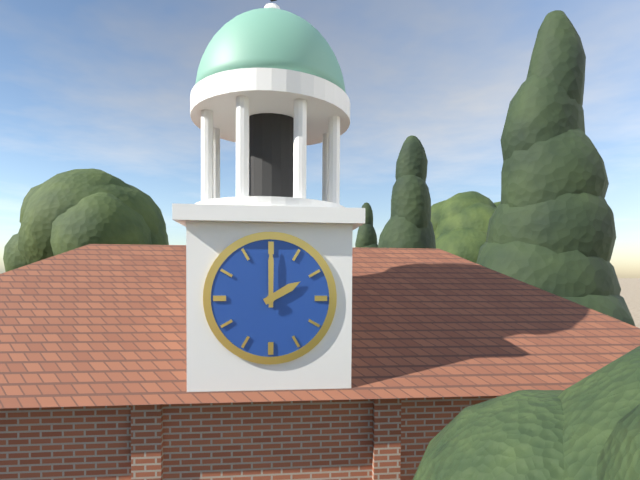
**2:00**
